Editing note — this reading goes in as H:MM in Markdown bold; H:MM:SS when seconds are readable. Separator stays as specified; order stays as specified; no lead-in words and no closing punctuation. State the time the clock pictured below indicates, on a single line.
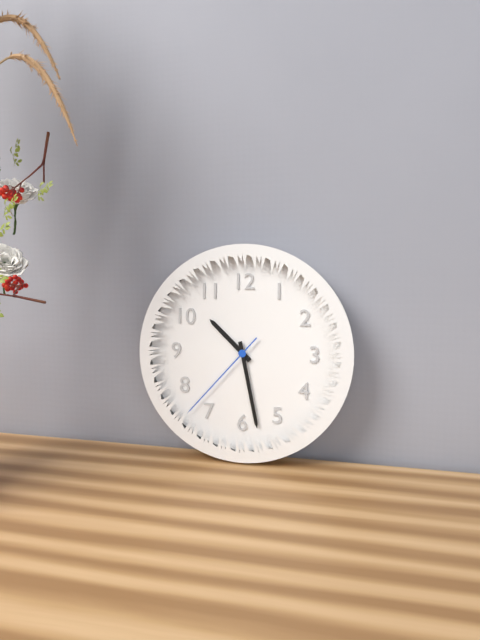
**10:28:37**
